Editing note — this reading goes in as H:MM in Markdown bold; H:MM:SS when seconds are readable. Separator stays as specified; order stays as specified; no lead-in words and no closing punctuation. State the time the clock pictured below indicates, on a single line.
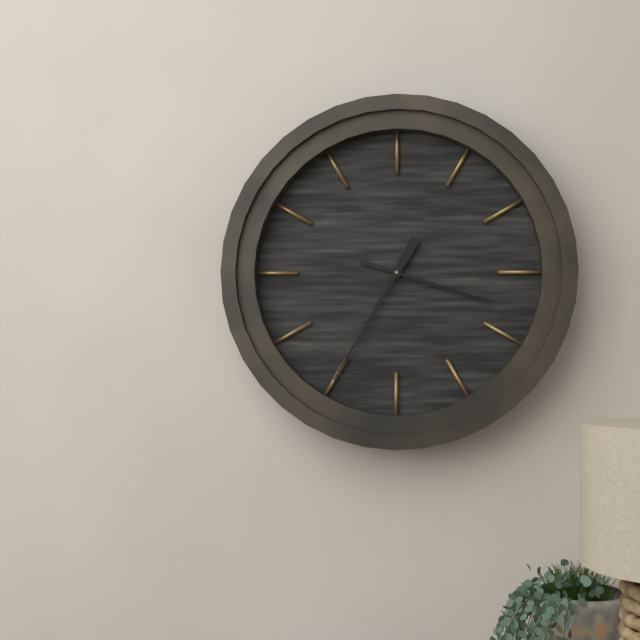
**3:35**
